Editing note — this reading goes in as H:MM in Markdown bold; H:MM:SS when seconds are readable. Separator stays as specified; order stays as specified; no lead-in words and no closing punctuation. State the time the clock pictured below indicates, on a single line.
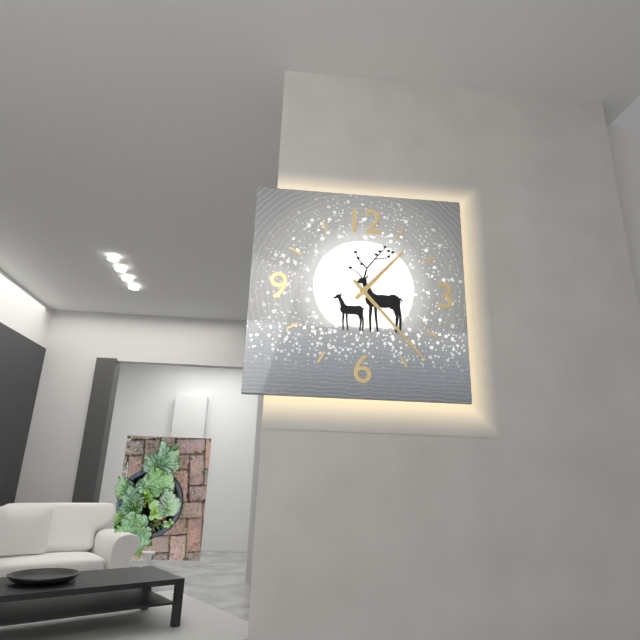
**1:23**
